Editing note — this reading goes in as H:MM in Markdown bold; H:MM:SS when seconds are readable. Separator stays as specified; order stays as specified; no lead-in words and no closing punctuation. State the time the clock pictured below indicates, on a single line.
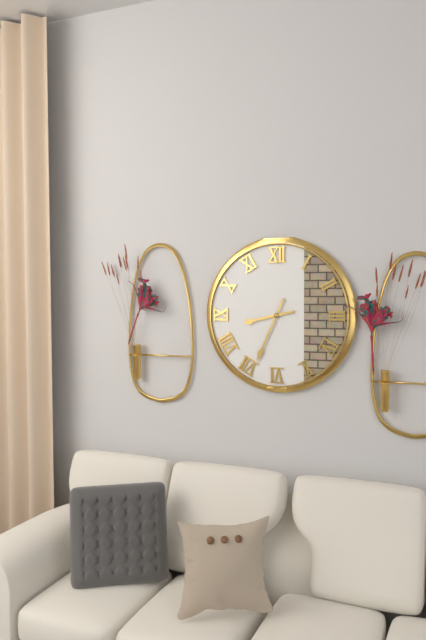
**8:34**
